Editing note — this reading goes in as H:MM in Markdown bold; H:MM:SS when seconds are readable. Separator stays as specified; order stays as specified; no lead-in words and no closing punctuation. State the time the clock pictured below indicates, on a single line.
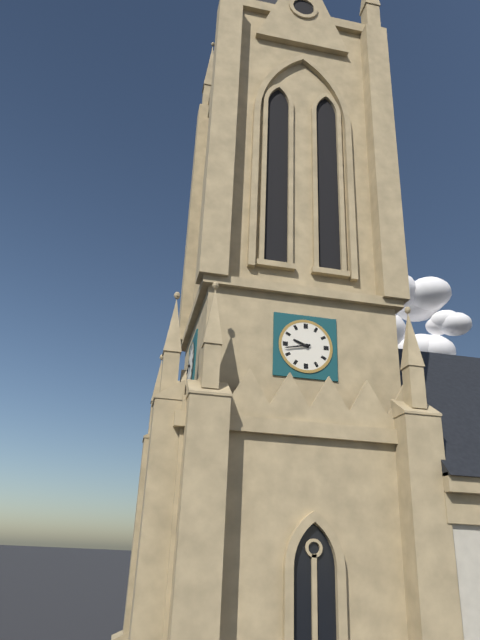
**9:43**
